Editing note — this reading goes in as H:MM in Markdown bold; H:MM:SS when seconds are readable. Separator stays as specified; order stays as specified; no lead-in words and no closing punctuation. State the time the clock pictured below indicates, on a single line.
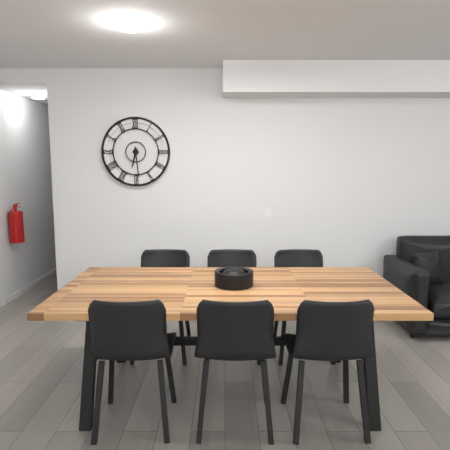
**6:29**
